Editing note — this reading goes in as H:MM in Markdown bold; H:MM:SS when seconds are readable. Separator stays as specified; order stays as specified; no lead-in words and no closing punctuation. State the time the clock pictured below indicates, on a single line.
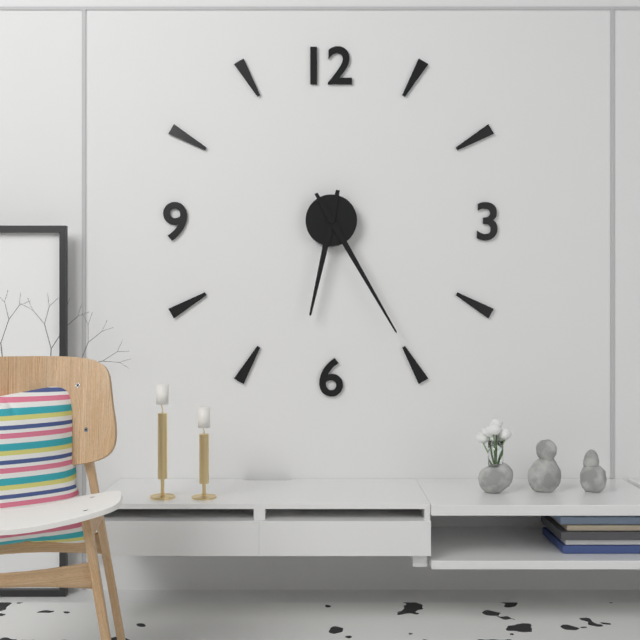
**6:25**
